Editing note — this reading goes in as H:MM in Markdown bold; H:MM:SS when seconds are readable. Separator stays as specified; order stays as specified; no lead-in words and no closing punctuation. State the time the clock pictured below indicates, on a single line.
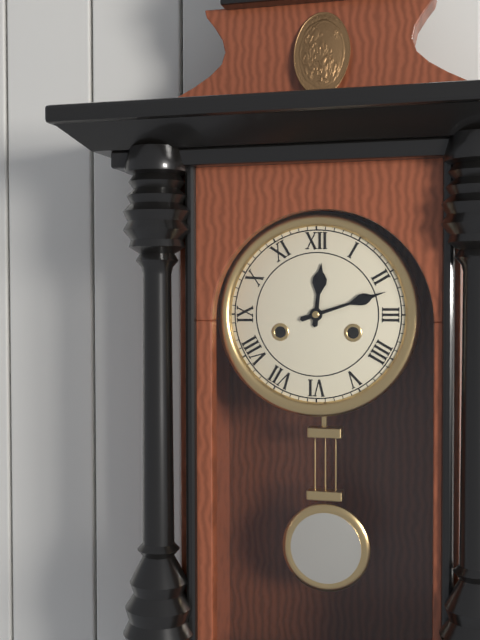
**12:12**
